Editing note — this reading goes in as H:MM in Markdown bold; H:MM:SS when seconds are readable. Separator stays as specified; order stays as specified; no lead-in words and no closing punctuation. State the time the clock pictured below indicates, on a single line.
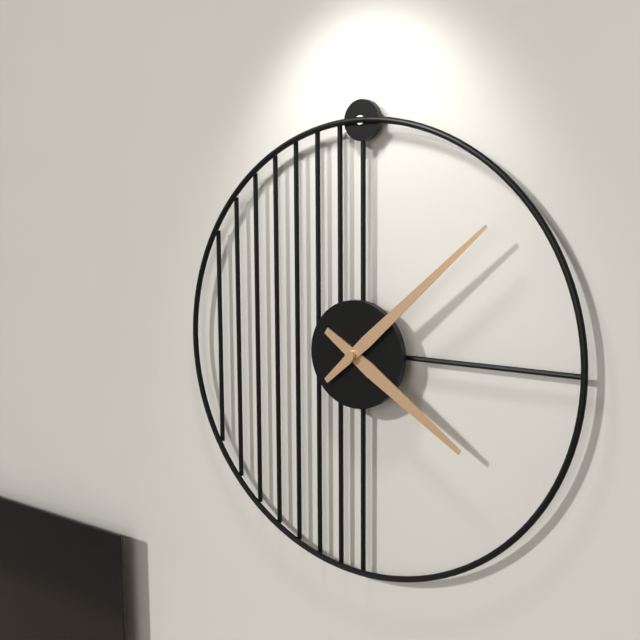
**4:08**
